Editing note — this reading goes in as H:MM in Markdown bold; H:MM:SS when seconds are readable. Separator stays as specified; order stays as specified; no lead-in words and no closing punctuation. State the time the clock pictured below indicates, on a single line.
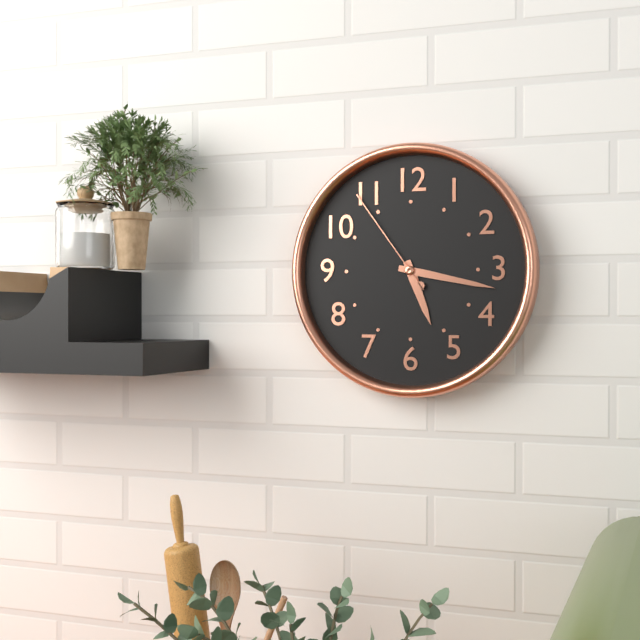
**5:17:54**
